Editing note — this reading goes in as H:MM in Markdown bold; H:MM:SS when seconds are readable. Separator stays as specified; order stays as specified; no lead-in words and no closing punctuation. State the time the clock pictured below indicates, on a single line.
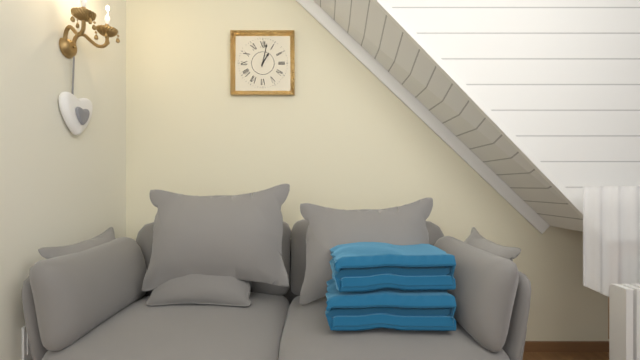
**1:02**
